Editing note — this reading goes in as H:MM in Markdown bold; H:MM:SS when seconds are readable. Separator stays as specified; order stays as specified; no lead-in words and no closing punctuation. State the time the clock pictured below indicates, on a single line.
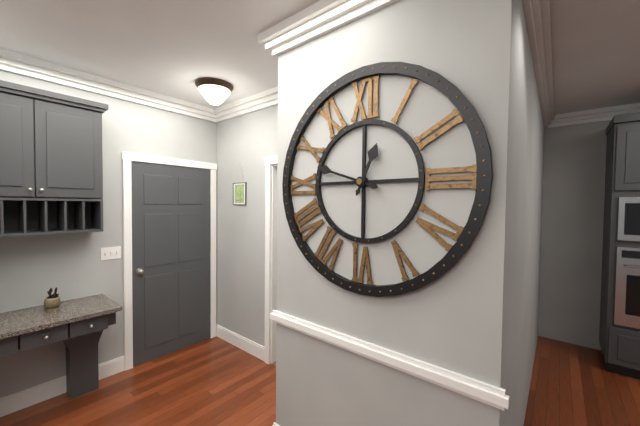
**12:48**
